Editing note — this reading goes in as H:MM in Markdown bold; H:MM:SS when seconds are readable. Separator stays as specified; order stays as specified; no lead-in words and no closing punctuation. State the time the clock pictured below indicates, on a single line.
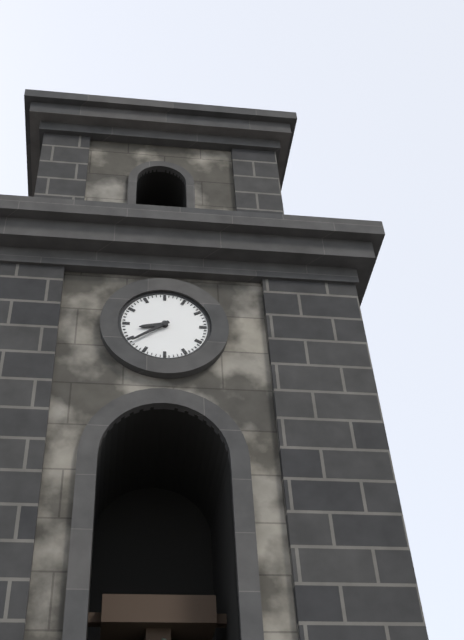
**8:39**
